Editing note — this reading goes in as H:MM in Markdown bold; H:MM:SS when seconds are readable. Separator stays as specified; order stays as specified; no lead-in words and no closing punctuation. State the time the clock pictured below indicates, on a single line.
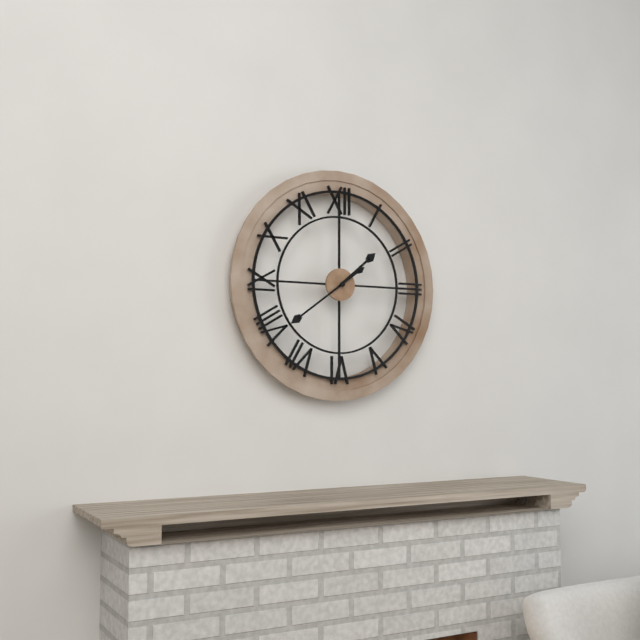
**1:39**
